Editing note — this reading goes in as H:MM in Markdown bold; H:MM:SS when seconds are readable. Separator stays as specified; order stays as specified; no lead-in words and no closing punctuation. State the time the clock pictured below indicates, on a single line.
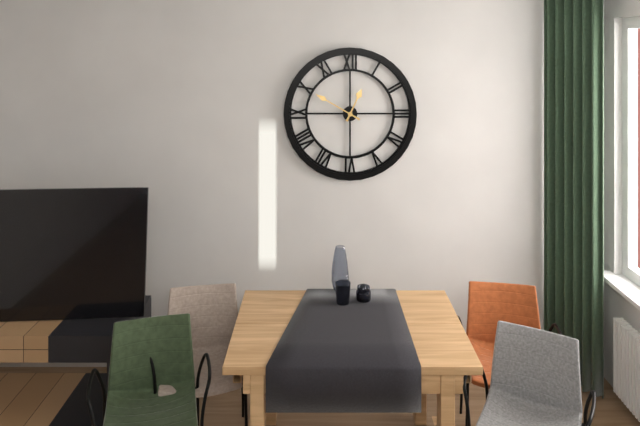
**12:50**
